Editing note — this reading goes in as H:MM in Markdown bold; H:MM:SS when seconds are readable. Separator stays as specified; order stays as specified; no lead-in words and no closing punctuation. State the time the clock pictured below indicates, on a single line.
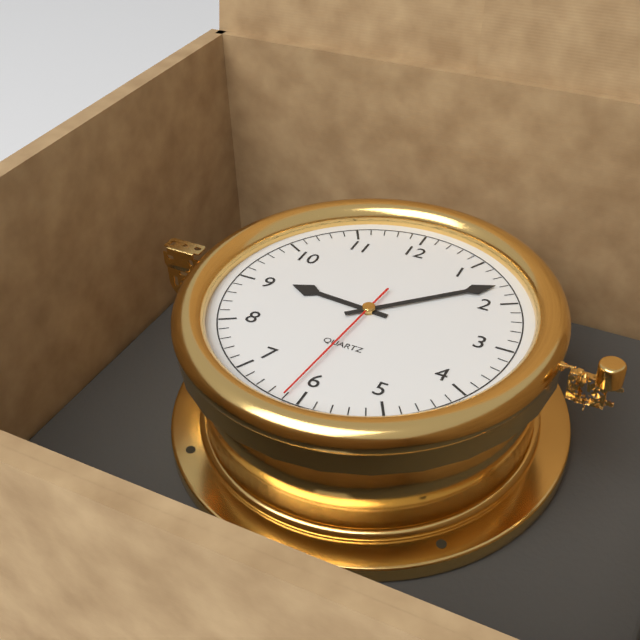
**9:08:31**
